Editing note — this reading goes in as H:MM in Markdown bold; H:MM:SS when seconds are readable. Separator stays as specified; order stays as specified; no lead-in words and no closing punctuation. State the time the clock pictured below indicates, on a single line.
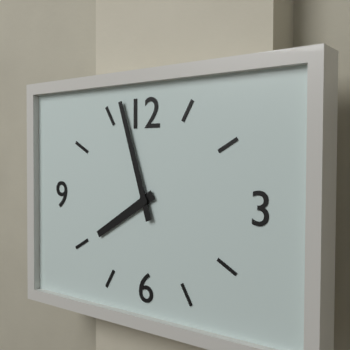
**7:57**
